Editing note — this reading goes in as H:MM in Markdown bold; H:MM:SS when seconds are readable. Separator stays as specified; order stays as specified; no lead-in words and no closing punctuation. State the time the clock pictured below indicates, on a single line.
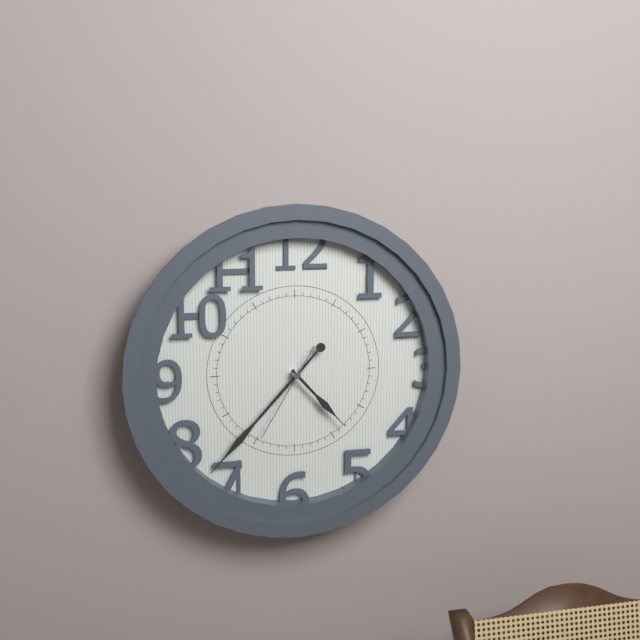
**4:37:35**
